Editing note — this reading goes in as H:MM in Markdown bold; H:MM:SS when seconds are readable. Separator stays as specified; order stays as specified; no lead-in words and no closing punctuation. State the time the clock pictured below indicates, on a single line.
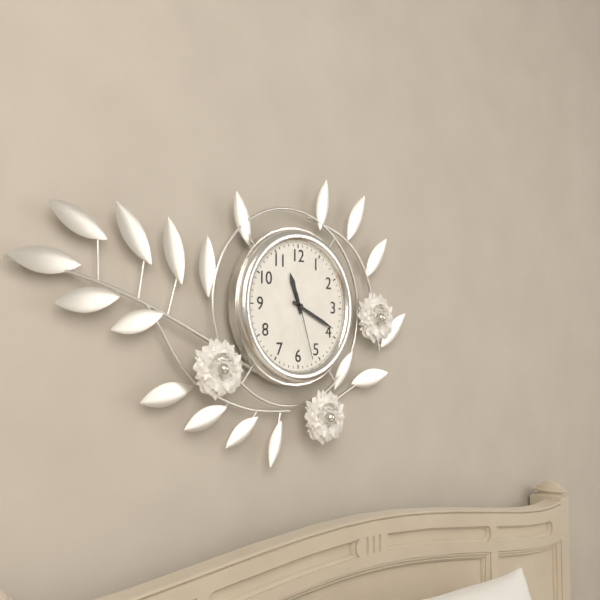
**11:19:27**
